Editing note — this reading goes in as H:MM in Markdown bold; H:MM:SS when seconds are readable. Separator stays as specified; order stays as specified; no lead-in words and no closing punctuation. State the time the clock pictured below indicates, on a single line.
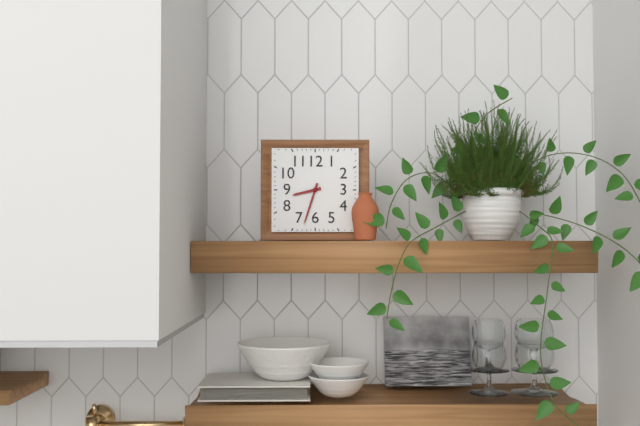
**8:33**
